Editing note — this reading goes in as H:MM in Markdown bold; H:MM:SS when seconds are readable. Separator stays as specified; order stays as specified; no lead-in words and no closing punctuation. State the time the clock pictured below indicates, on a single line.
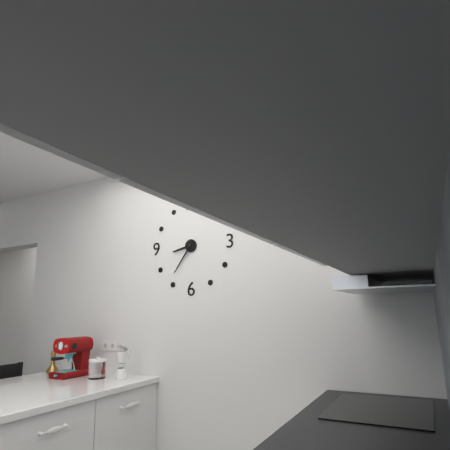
**8:36**
